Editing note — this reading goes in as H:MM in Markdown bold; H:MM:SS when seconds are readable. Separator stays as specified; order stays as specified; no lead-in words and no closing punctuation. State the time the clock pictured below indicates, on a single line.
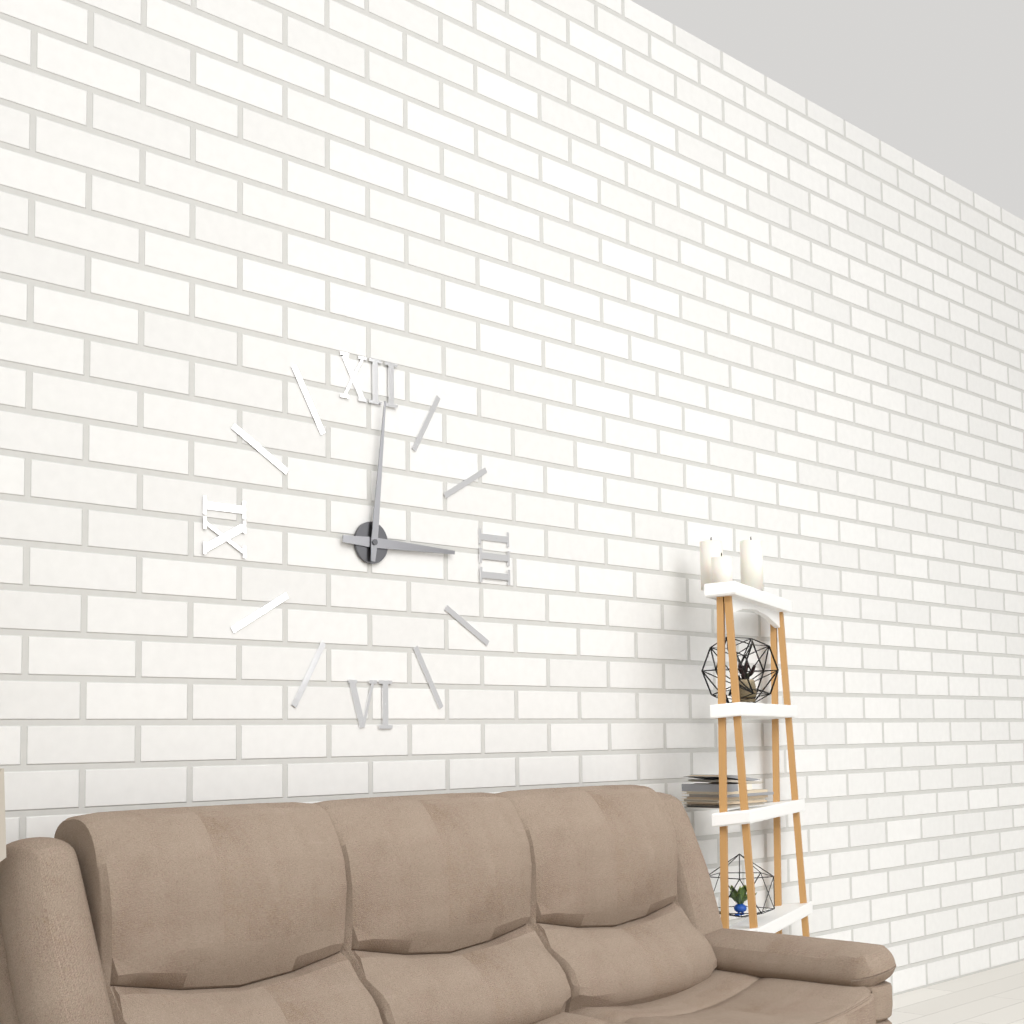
**3:01**
